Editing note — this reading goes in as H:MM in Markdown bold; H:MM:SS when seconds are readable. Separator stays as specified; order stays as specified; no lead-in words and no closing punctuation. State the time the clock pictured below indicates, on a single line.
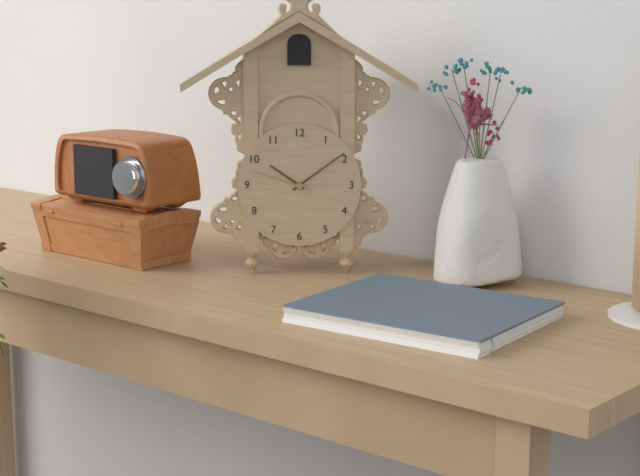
**10:09:48**
